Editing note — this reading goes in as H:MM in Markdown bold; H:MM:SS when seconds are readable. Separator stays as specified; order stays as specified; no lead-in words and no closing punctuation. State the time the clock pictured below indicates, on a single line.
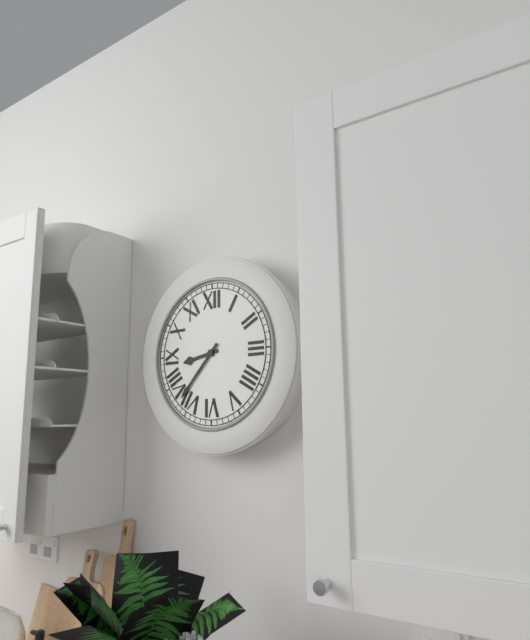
**8:37**
